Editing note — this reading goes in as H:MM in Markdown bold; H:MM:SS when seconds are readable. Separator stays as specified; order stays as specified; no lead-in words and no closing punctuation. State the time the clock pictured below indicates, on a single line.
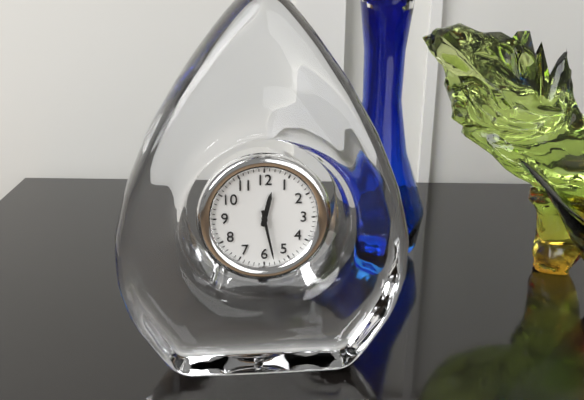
**12:28**
